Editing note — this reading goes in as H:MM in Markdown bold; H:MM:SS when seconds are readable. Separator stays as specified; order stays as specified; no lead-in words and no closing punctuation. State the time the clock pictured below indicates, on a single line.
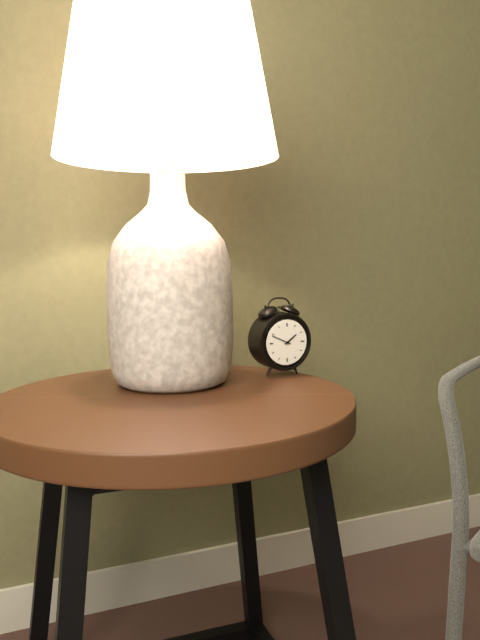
**1:49**
